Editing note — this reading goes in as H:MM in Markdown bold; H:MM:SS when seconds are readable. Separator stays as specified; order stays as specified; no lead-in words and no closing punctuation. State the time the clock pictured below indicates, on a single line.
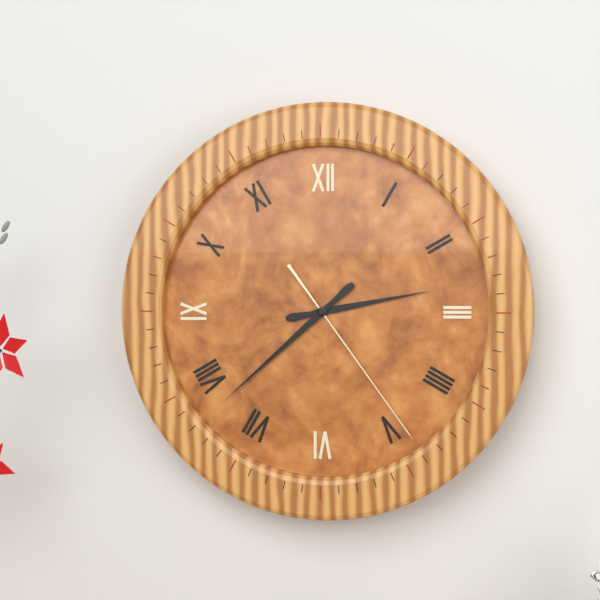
**2:38:24**
